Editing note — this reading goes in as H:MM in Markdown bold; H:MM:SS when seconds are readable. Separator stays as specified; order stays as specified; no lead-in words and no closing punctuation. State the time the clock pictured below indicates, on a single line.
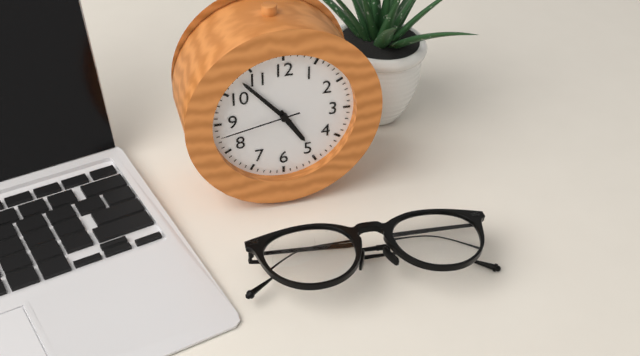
**4:53:43**
